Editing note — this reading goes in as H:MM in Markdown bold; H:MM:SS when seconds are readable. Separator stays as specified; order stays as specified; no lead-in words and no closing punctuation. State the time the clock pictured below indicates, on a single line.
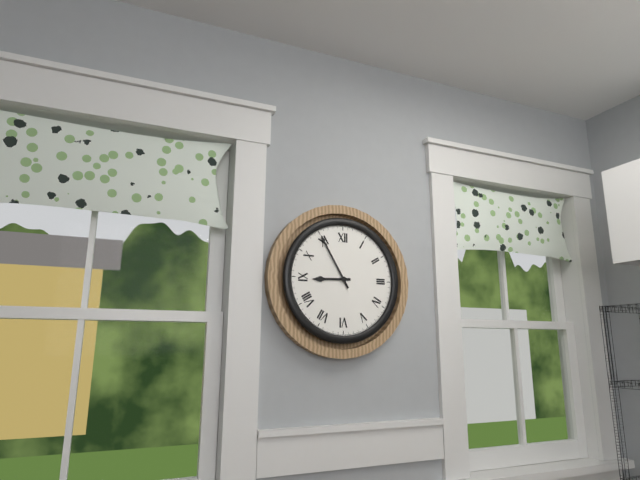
**8:55**
